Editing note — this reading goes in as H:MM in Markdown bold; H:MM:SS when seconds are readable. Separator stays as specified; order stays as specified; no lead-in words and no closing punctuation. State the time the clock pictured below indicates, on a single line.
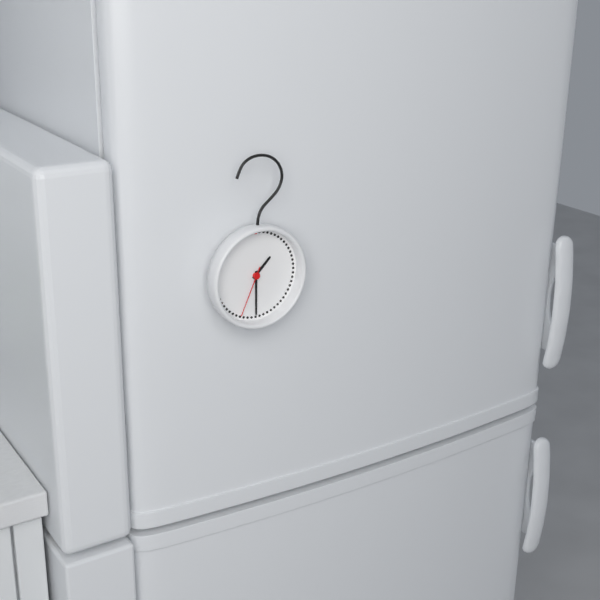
**1:30:34**
